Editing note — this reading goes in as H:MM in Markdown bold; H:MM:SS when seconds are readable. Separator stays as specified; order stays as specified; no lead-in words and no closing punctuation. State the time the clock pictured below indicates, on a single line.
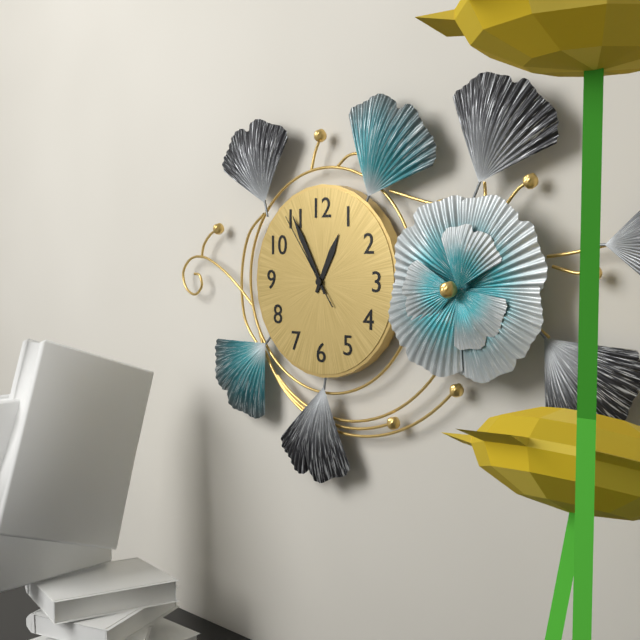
**12:55:54**
